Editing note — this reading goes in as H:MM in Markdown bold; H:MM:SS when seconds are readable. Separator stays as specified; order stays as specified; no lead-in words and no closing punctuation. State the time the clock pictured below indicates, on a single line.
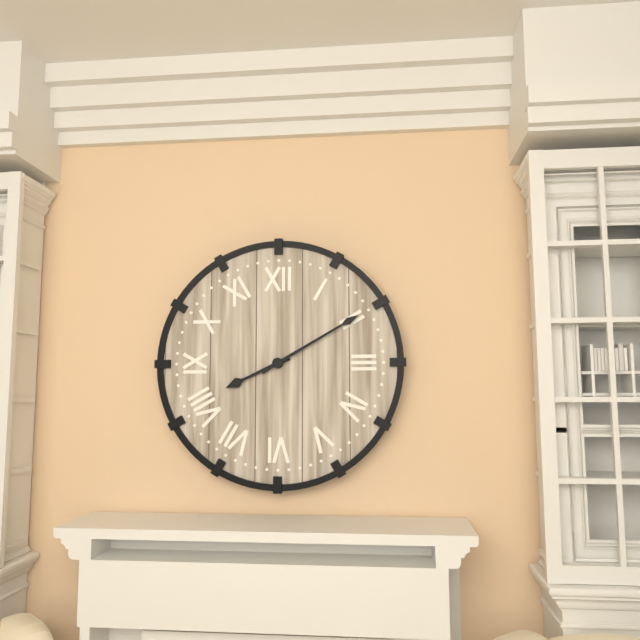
**8:10**
